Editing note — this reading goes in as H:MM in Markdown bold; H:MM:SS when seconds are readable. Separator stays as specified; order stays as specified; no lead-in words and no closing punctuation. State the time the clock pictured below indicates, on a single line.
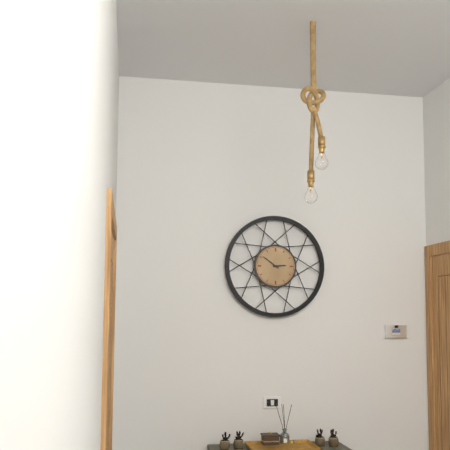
**2:51**
